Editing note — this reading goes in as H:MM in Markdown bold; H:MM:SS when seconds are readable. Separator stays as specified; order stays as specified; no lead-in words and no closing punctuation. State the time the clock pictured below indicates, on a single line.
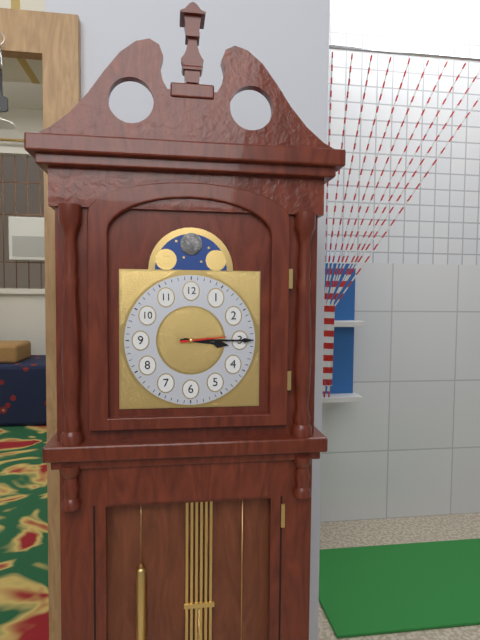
**3:15**
